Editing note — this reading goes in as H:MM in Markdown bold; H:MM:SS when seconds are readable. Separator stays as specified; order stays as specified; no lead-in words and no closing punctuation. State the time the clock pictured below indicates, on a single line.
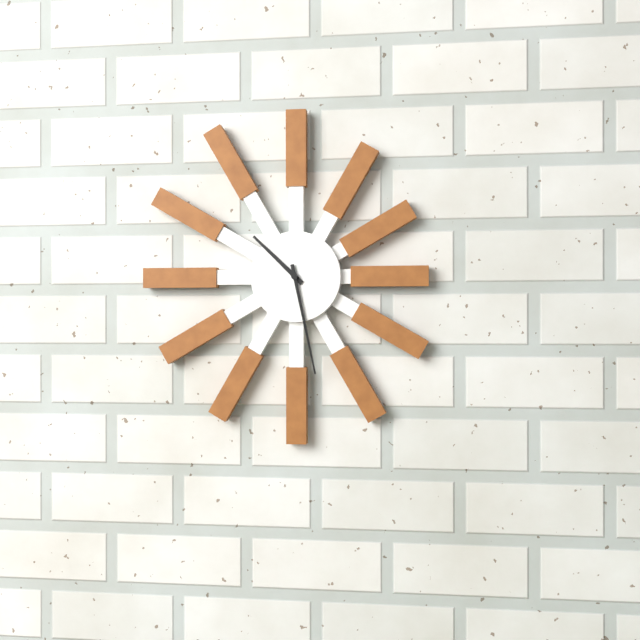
**10:28**
